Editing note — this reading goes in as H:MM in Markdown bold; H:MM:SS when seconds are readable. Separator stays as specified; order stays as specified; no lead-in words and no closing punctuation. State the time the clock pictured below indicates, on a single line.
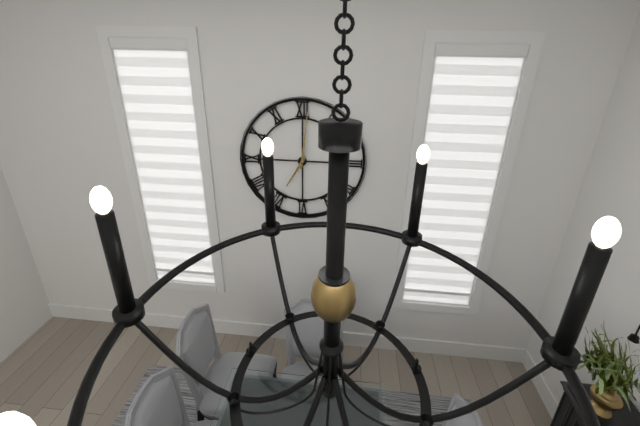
**7:01**
